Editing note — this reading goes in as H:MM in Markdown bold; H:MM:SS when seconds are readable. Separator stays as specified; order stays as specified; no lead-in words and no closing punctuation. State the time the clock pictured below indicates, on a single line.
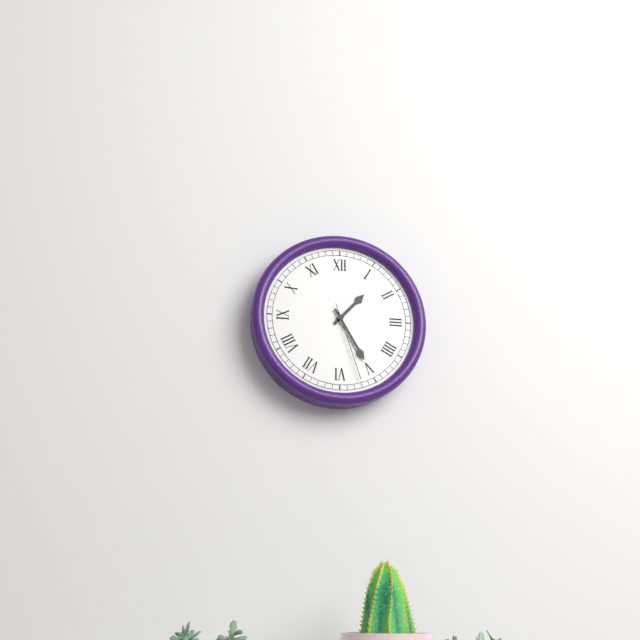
**1:25:27**
